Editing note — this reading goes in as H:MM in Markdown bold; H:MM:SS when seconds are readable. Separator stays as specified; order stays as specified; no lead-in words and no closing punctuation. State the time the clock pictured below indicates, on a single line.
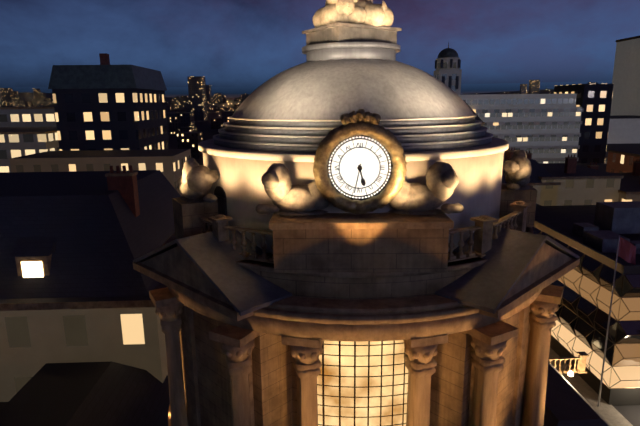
**5:32**
